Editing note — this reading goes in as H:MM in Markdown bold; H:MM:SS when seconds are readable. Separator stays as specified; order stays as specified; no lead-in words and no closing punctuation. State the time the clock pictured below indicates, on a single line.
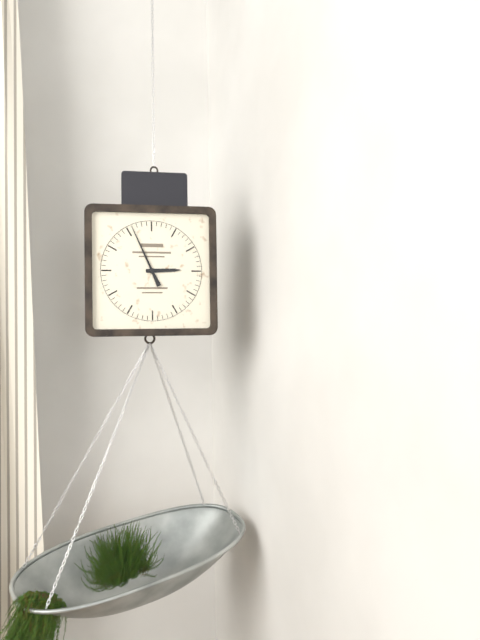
**2:56**
